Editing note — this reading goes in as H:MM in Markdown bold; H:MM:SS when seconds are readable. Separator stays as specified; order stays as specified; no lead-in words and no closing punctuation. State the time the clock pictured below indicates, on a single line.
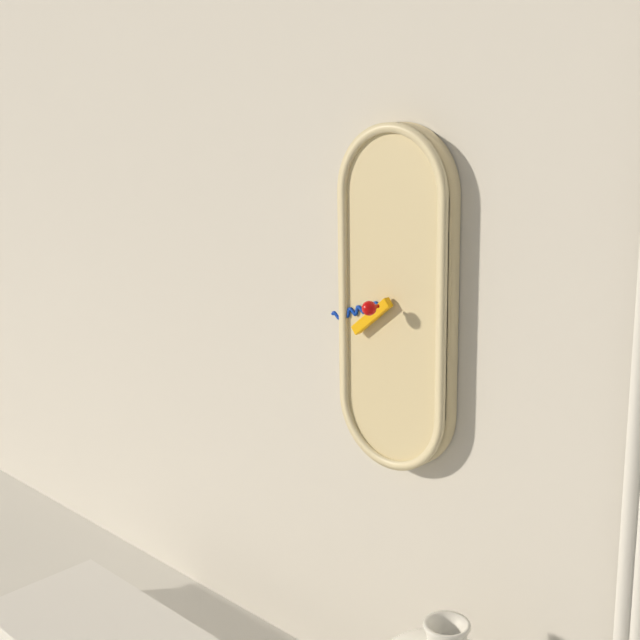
**7:42**
